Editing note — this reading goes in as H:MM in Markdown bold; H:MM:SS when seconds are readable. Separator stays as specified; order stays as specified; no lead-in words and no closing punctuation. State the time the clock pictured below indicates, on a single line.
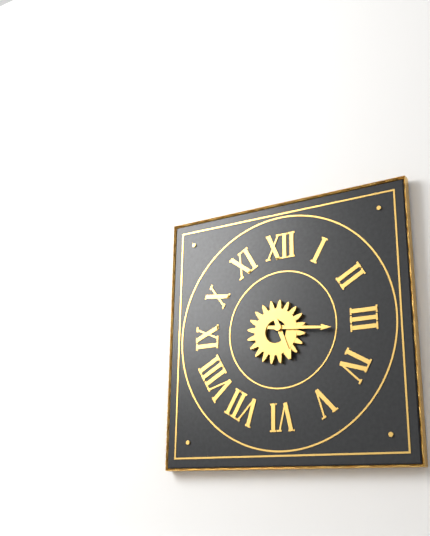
**5:16**
